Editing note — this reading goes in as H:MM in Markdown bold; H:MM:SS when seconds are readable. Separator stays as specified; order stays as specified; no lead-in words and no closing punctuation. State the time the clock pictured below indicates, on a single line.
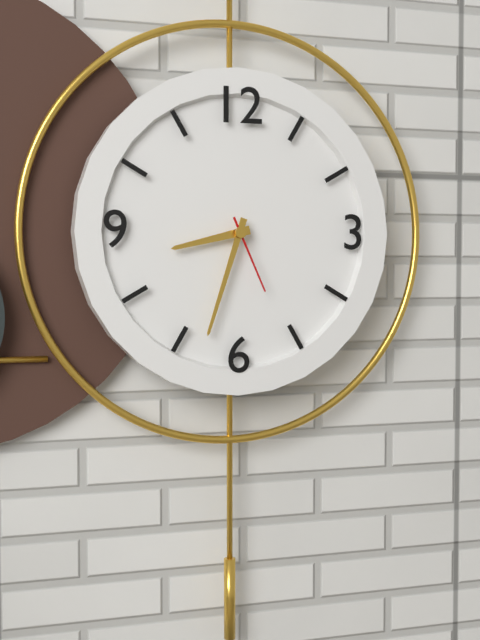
**8:33:26**
